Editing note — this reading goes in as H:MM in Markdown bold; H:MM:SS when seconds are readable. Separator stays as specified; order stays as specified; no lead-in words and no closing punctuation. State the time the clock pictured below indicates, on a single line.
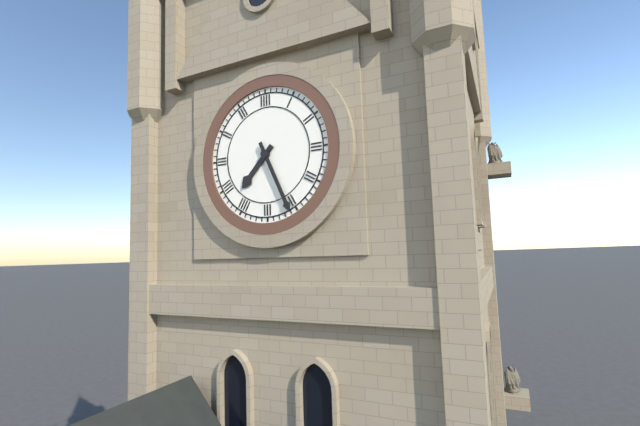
**7:26**
